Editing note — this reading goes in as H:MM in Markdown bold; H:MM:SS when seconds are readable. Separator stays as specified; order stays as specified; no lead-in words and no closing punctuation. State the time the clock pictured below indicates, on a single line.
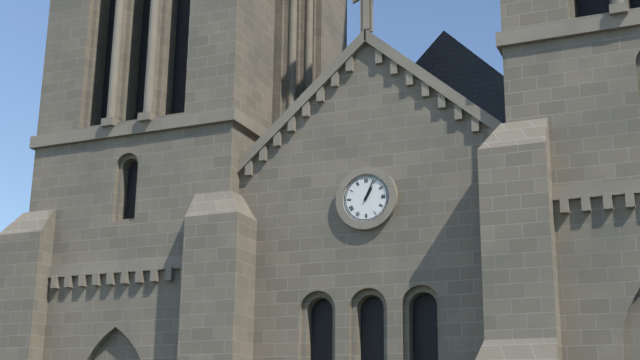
**1:04**
